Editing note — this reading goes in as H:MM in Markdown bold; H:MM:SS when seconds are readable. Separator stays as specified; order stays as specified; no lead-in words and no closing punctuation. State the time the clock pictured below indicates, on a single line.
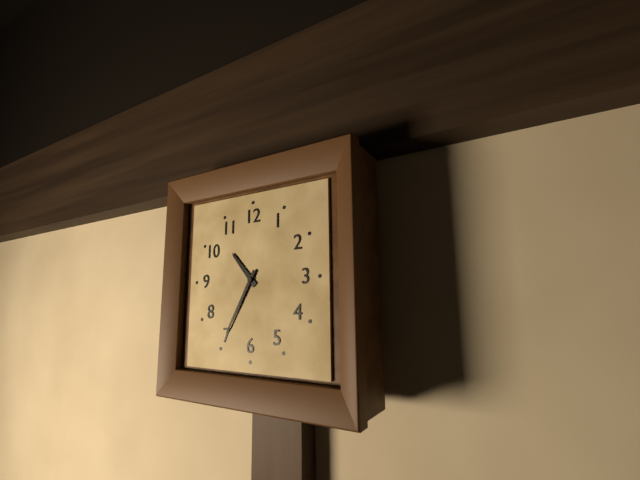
**10:35**
